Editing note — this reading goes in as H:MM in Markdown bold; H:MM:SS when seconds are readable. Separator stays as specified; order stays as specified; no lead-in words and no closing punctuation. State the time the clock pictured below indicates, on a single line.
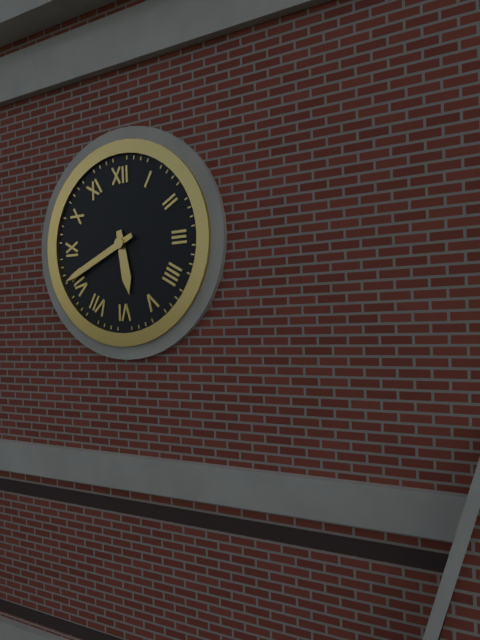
**5:41**
